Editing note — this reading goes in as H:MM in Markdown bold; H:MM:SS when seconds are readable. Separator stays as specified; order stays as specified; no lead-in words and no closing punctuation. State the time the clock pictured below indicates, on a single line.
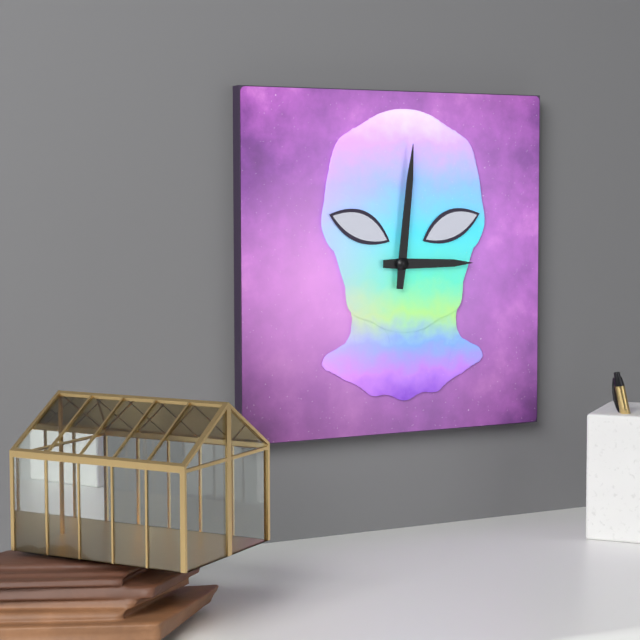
**3:01**
